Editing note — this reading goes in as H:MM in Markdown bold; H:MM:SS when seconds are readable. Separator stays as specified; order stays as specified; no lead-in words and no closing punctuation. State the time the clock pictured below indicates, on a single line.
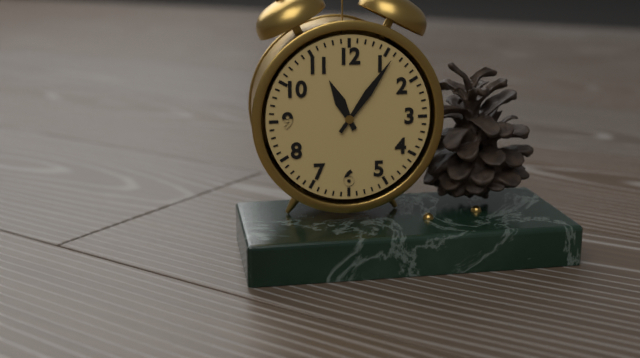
**11:06**
